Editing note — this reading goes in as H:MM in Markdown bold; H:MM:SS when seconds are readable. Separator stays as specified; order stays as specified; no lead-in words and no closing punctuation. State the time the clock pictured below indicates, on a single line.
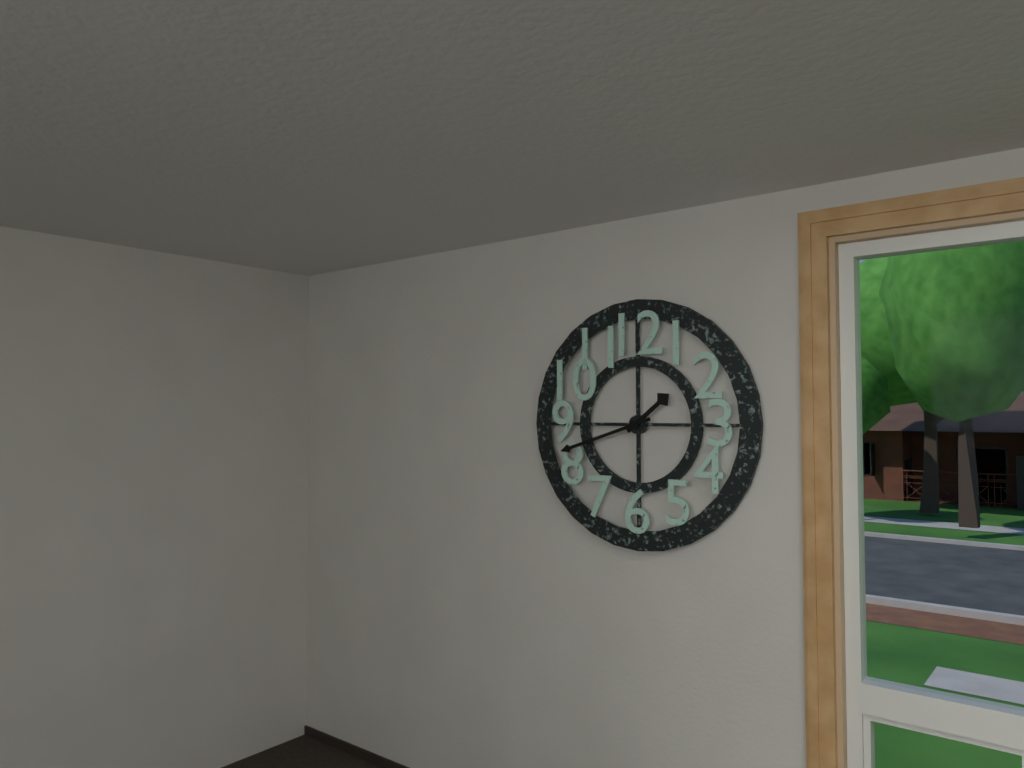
**1:42**
